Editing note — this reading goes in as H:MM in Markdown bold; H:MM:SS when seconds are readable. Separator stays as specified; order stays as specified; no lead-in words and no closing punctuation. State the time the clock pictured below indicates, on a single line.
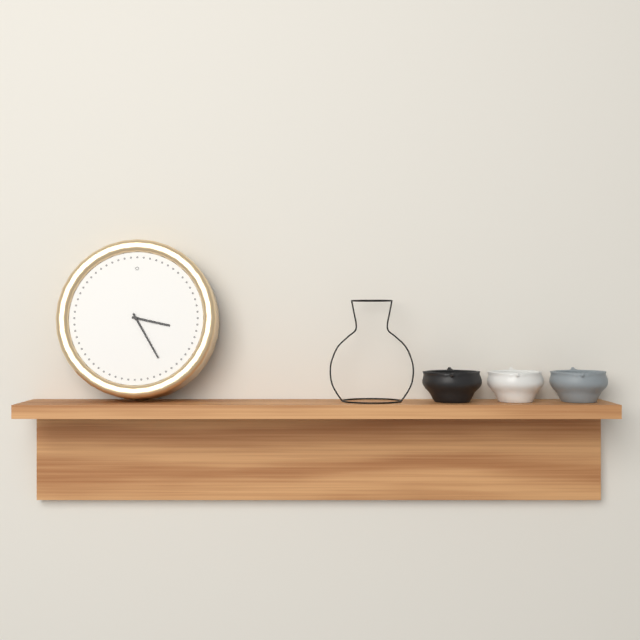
**3:25**
